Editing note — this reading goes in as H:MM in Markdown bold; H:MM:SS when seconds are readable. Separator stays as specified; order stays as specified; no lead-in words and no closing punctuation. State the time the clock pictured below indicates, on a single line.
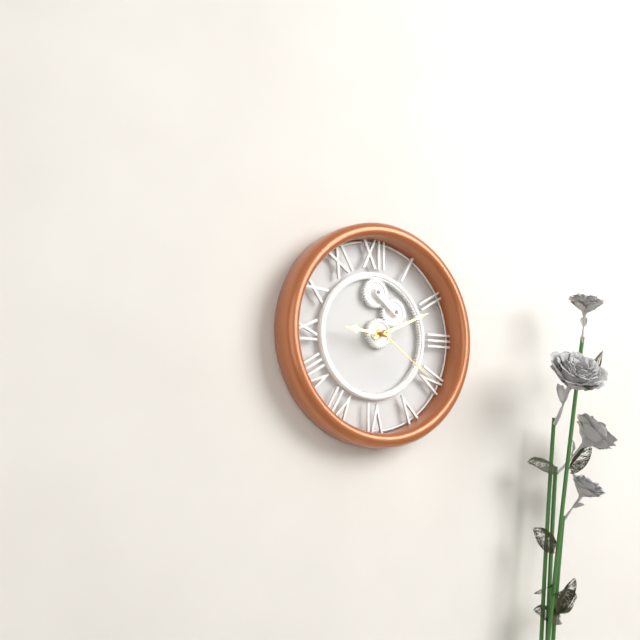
**9:11:21**
